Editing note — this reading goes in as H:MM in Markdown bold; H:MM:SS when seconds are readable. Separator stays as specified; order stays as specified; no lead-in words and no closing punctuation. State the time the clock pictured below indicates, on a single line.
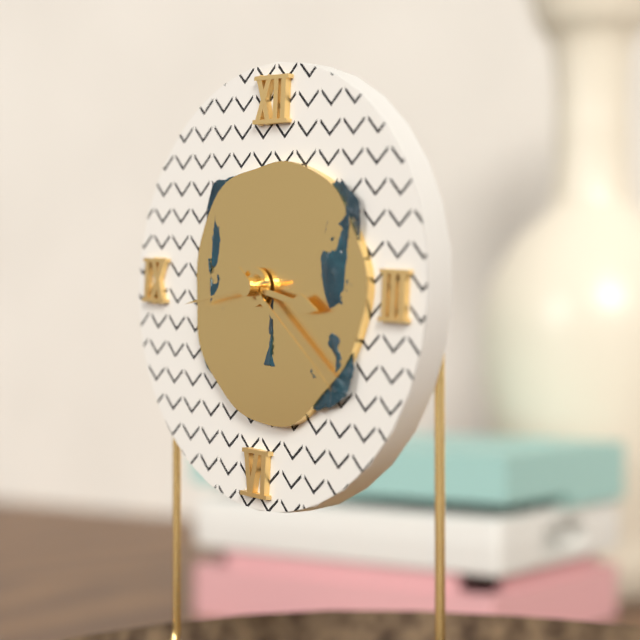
**3:21:43**
